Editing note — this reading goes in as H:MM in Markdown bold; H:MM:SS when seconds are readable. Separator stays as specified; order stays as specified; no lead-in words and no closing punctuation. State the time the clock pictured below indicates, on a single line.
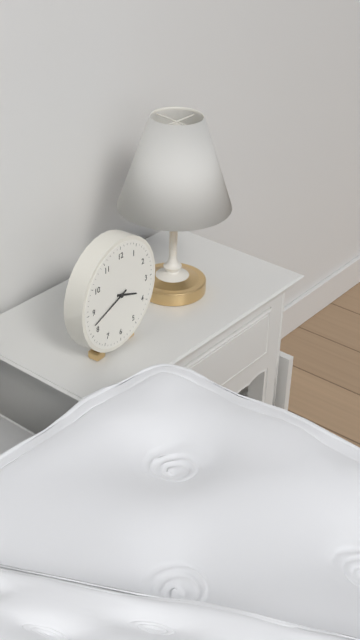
**3:42**
